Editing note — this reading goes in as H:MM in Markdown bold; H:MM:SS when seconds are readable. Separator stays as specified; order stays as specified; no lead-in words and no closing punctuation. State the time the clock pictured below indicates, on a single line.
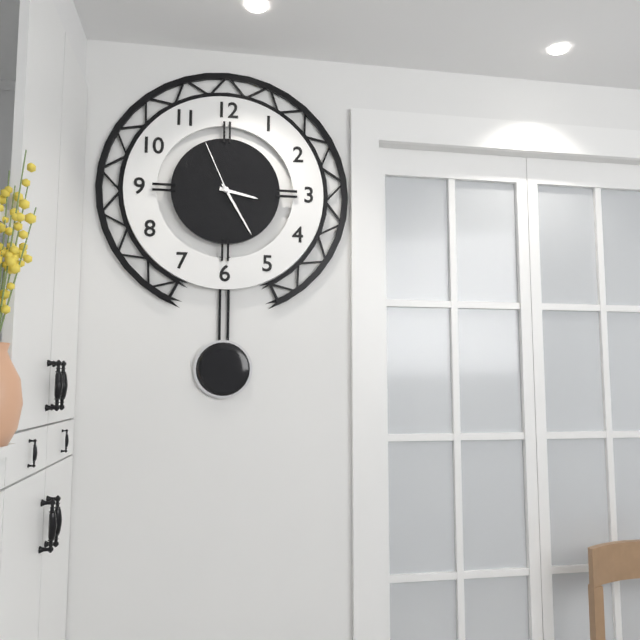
**3:25:56**
